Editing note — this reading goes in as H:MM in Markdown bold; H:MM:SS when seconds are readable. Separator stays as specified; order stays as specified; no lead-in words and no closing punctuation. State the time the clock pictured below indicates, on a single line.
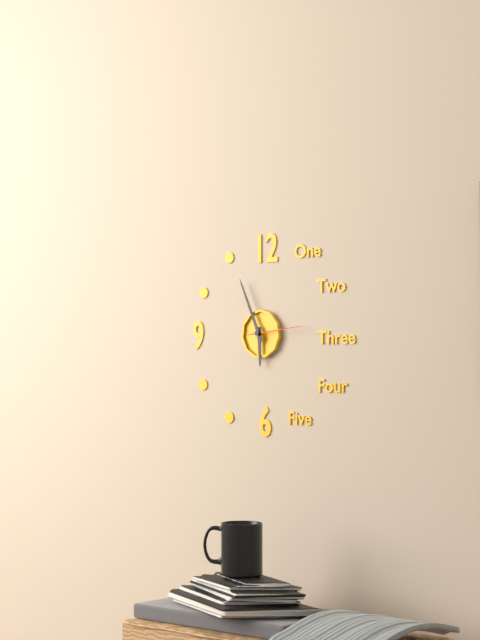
**5:56:14**
